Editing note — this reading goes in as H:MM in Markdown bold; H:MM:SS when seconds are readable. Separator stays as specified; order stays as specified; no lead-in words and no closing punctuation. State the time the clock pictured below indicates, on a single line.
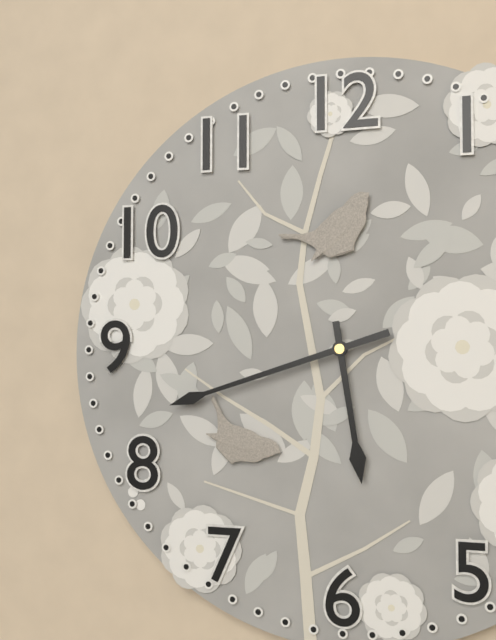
**5:42**
